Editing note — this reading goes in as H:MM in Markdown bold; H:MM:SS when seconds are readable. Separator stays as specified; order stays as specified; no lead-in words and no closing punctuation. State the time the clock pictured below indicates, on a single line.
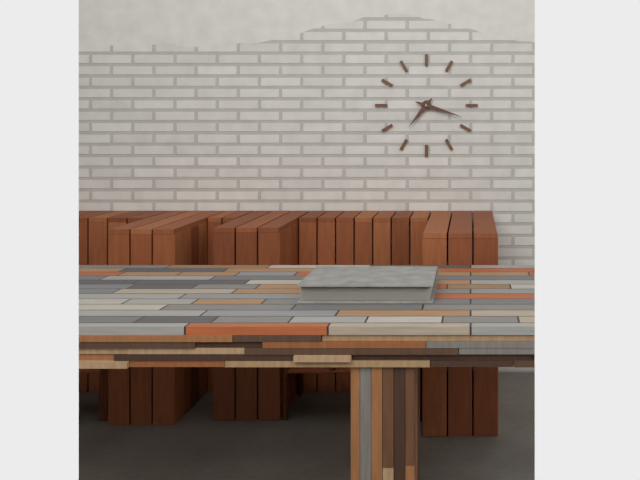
**7:18**
